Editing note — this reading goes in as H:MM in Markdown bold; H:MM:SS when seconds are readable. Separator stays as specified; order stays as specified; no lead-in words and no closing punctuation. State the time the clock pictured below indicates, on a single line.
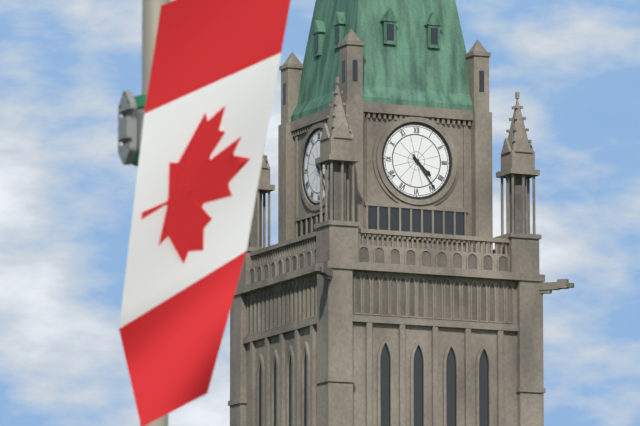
**4:24**
